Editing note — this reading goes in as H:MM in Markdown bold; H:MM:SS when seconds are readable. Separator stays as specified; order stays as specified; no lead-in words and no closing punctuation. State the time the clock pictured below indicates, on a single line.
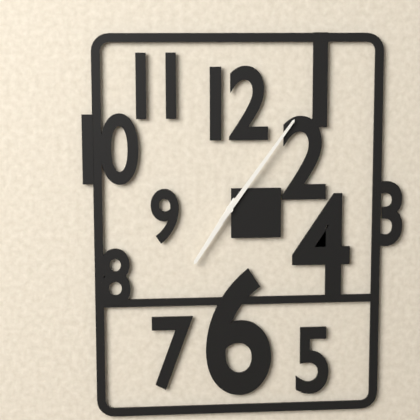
**7:06**
